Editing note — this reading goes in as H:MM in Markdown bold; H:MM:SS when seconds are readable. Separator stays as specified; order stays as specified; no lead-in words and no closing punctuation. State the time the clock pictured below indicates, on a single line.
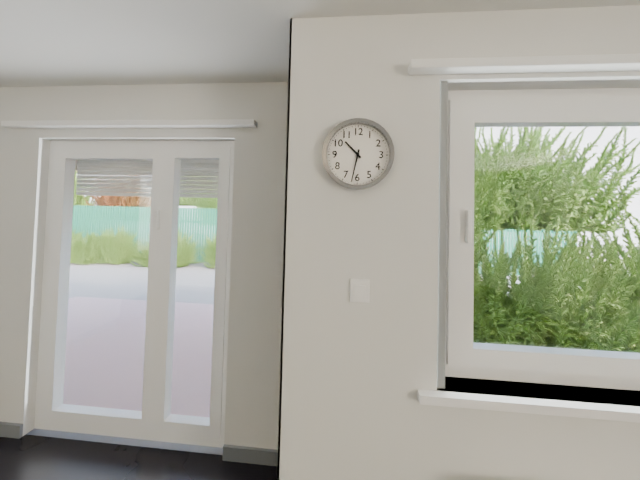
**10:32**
